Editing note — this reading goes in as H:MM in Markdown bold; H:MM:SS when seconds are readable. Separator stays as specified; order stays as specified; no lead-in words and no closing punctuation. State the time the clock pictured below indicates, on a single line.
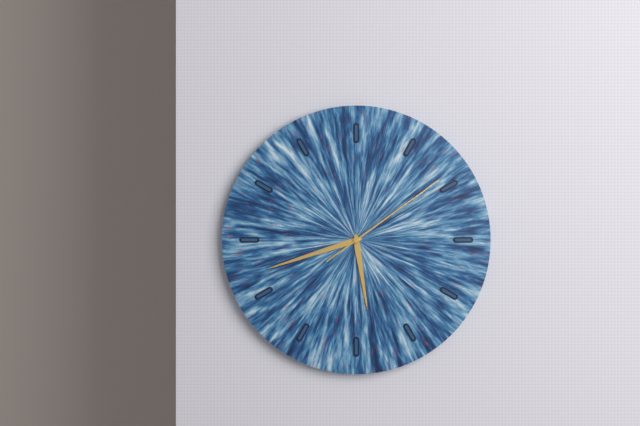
**5:42:09**
